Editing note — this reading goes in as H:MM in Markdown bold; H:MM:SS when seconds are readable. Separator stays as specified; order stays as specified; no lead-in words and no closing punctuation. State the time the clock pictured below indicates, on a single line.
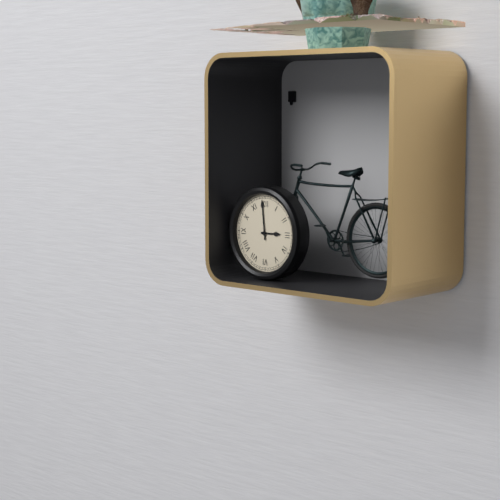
**2:59**
